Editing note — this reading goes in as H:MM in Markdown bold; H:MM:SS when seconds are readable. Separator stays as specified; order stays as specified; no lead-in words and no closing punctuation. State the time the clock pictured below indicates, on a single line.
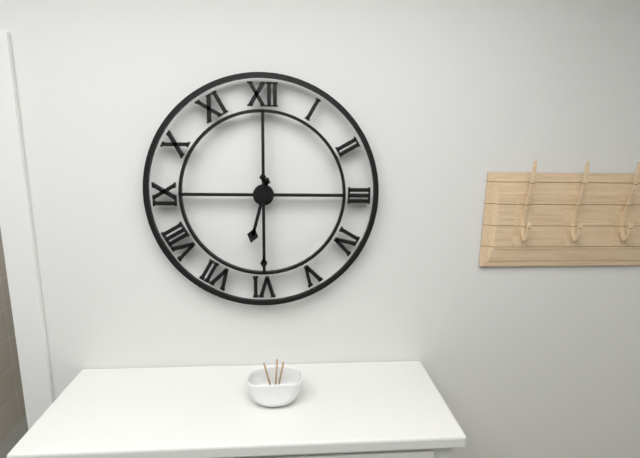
**6:30**
